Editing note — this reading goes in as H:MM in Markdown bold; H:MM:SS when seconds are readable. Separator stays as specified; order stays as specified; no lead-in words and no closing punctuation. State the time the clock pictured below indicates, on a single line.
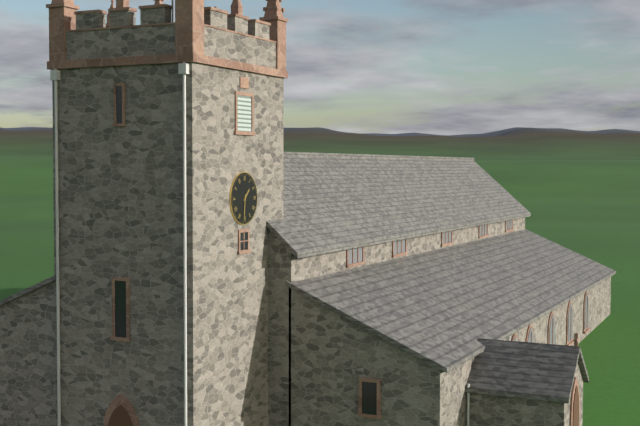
**1:31**
